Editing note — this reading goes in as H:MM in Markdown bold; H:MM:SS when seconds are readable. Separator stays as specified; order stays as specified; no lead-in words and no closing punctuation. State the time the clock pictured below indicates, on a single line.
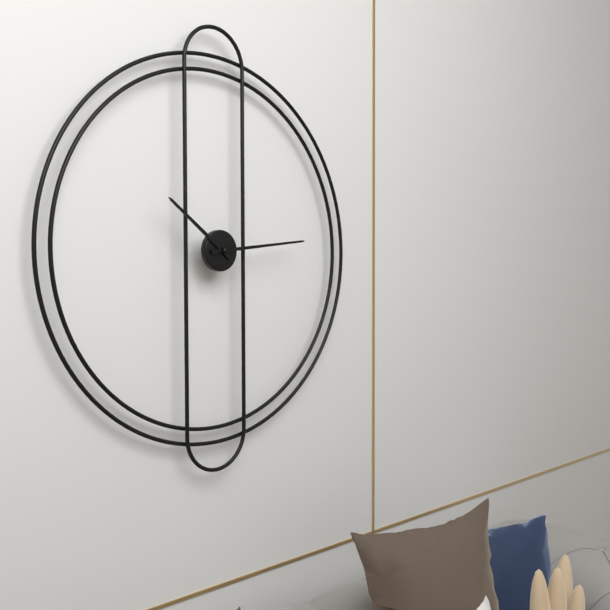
**10:14**
